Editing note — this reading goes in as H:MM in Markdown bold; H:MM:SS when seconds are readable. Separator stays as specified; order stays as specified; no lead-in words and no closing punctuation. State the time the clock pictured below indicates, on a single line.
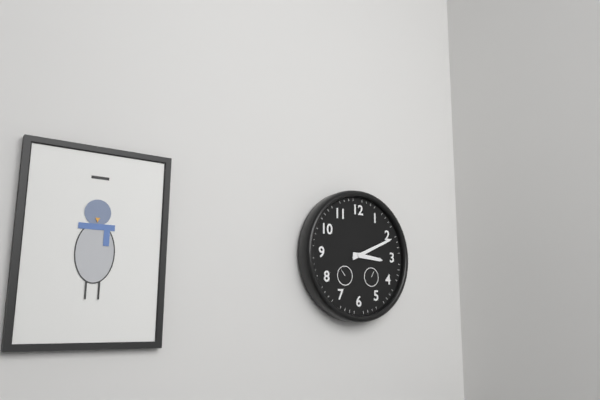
**3:11**
